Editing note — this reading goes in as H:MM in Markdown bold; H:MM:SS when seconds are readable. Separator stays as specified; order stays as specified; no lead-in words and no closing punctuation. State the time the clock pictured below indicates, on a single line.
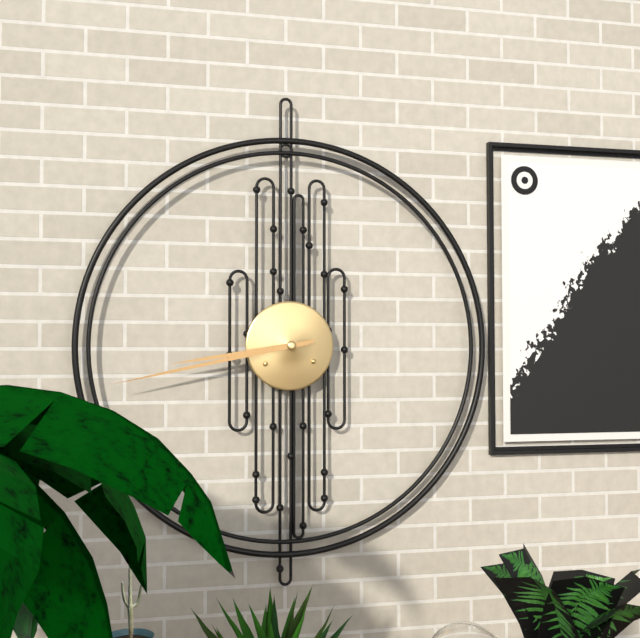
**8:43**
